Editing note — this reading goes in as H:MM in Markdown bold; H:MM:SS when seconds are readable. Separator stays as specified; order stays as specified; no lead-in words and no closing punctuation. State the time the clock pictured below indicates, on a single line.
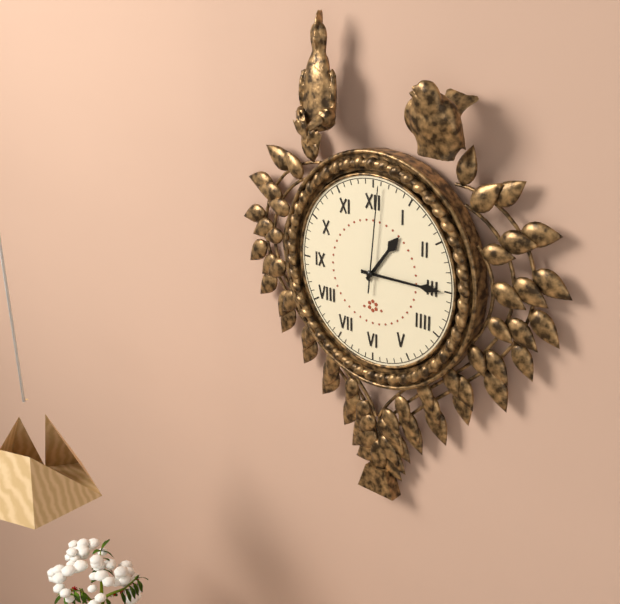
**1:15:01**
